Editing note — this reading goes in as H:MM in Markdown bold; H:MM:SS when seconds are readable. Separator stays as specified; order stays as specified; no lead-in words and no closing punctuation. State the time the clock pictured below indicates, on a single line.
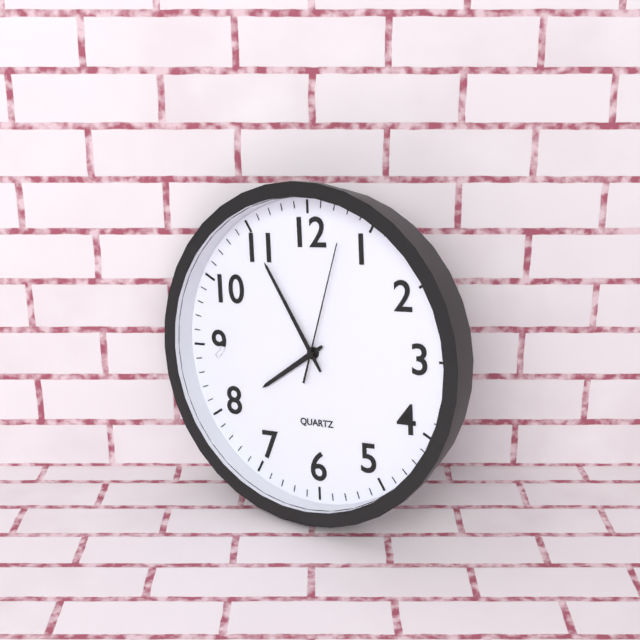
**7:55:03**
